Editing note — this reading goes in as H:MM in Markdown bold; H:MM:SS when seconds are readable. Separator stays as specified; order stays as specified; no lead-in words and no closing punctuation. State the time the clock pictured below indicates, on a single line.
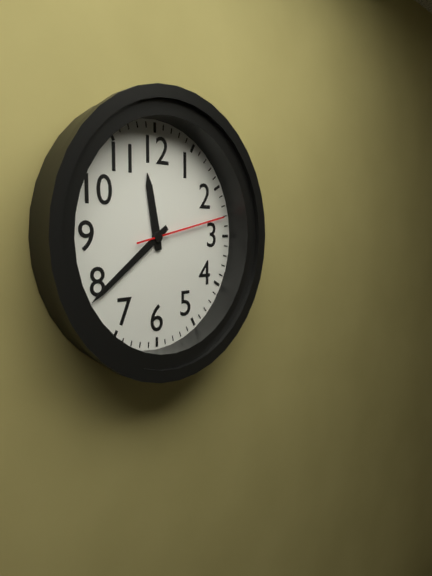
**11:39:13**
